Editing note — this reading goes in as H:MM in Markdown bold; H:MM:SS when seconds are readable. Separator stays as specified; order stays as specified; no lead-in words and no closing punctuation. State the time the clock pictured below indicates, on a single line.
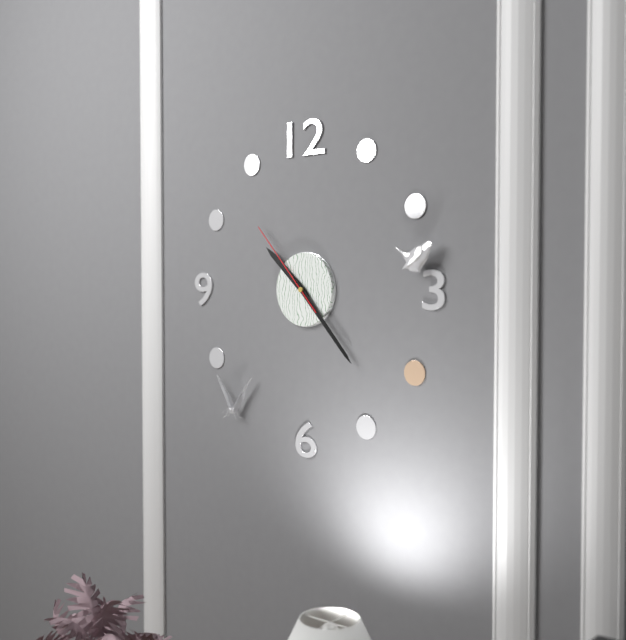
**10:23:53**
